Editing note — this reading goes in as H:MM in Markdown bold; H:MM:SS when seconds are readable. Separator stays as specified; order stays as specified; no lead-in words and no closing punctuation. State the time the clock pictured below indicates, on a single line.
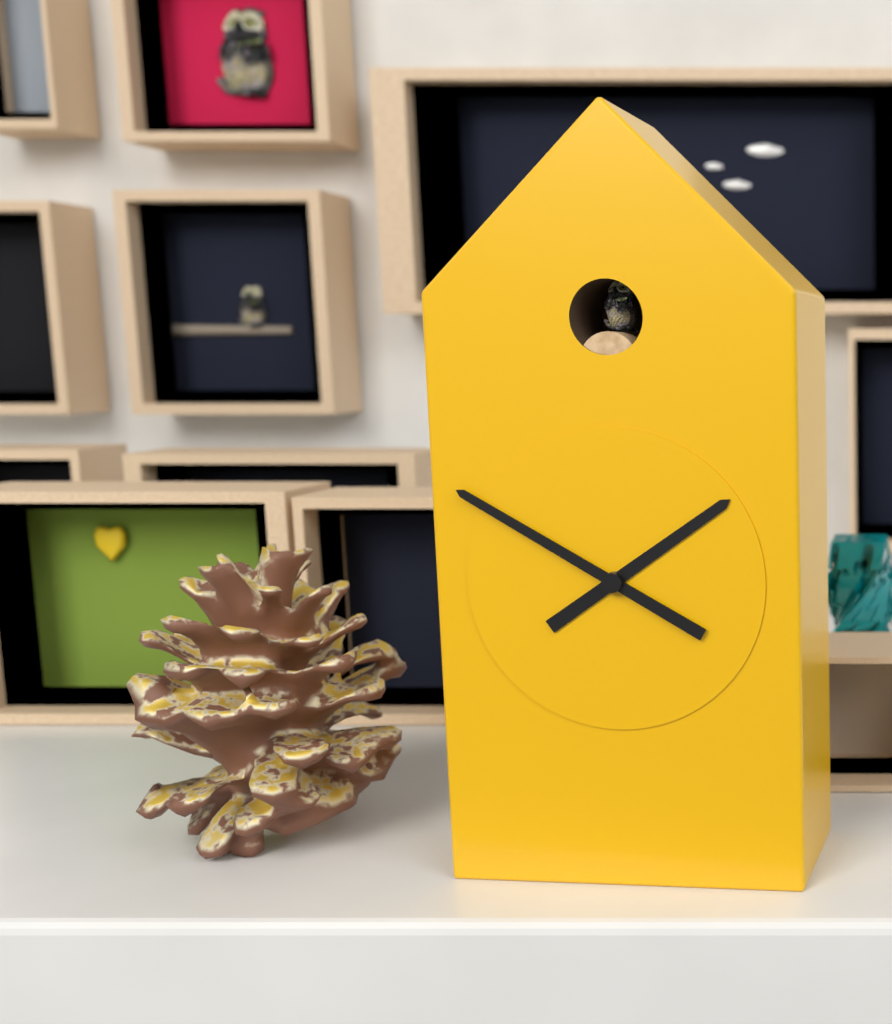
**1:50**
